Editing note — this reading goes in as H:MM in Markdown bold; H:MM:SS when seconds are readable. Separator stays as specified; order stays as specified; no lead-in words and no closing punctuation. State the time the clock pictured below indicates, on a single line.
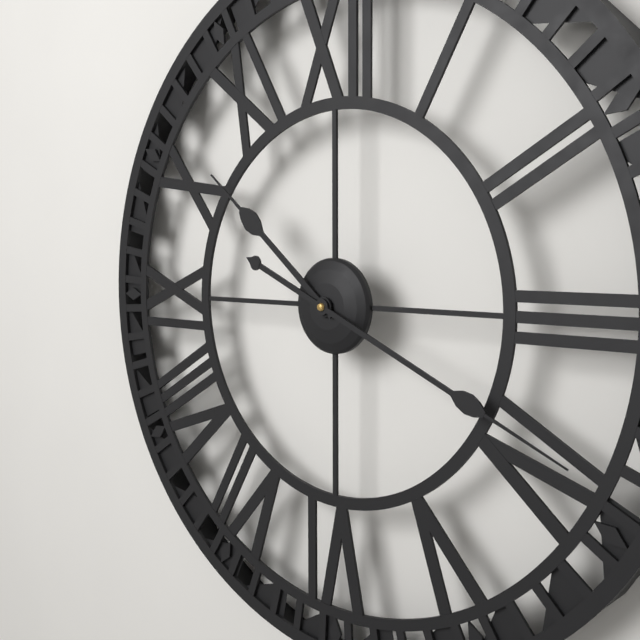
**10:19**
